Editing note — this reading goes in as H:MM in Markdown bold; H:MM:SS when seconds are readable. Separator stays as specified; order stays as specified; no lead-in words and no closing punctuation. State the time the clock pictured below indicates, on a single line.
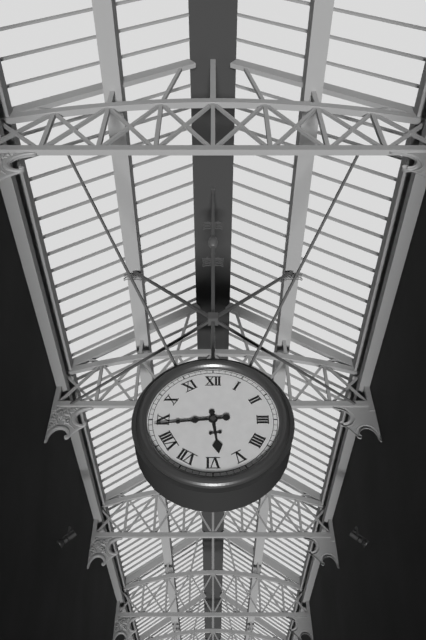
**5:44**
